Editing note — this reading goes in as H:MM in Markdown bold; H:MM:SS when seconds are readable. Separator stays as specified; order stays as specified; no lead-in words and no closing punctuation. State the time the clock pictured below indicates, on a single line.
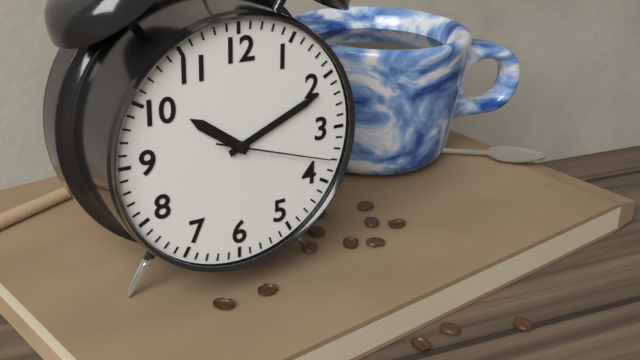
**10:11:18**
